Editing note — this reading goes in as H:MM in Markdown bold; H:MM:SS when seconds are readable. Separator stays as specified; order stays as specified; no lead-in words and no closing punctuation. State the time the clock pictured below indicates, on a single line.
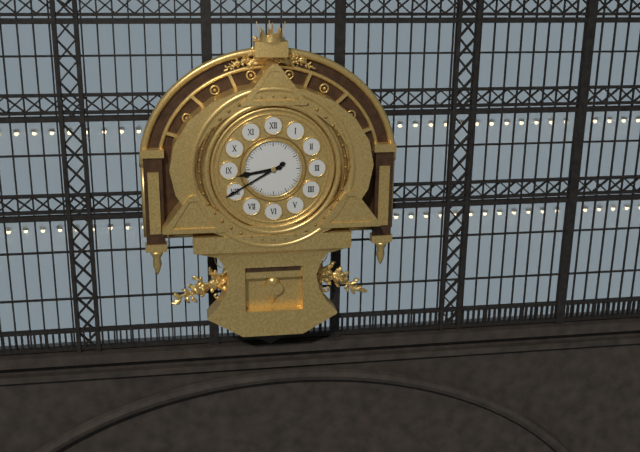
**8:40**
